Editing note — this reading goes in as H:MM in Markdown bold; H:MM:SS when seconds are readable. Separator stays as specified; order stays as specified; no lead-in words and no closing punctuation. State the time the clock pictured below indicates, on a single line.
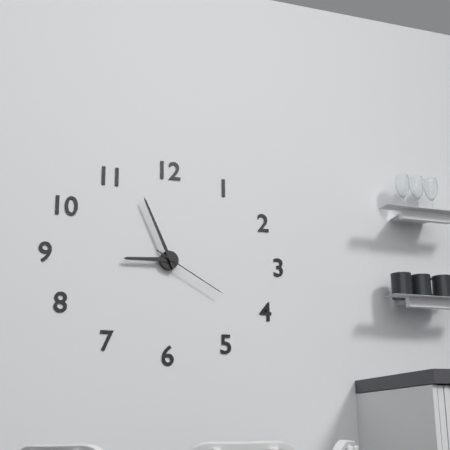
**8:56:20**
